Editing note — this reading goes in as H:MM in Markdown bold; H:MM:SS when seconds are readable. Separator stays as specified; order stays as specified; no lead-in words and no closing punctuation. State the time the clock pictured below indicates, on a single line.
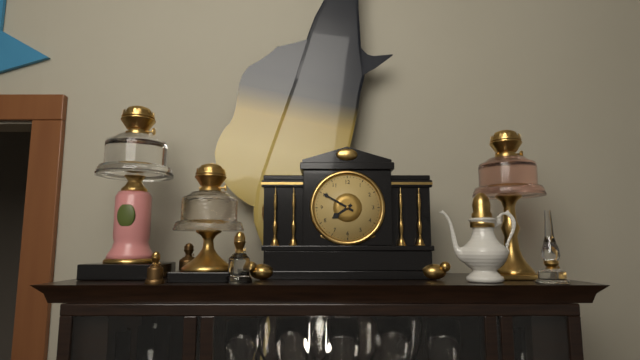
**7:50**
